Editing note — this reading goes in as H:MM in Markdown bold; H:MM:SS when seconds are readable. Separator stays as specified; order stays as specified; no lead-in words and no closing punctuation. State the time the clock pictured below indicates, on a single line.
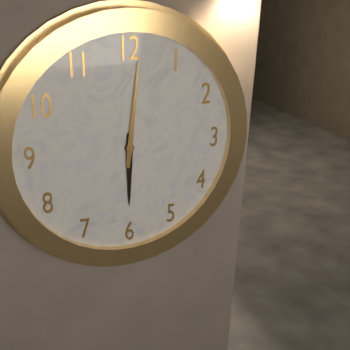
**6:01**
